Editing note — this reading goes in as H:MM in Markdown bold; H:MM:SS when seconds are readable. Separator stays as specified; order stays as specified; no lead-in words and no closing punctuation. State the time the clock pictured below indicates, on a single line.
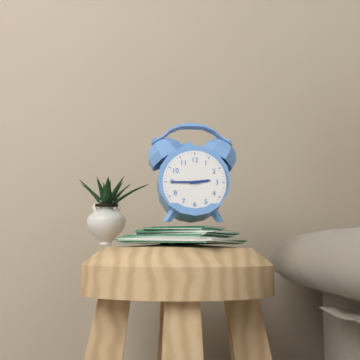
**2:45**
